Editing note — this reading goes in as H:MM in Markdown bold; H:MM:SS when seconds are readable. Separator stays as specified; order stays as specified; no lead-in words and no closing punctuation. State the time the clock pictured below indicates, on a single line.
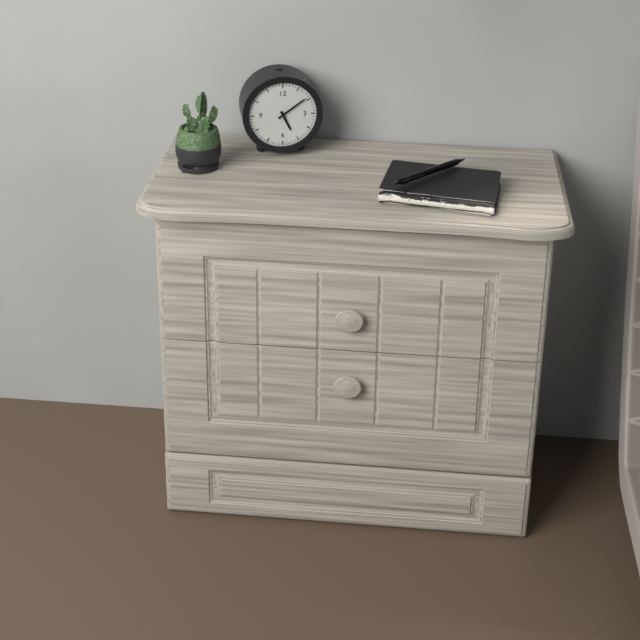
**5:09**
